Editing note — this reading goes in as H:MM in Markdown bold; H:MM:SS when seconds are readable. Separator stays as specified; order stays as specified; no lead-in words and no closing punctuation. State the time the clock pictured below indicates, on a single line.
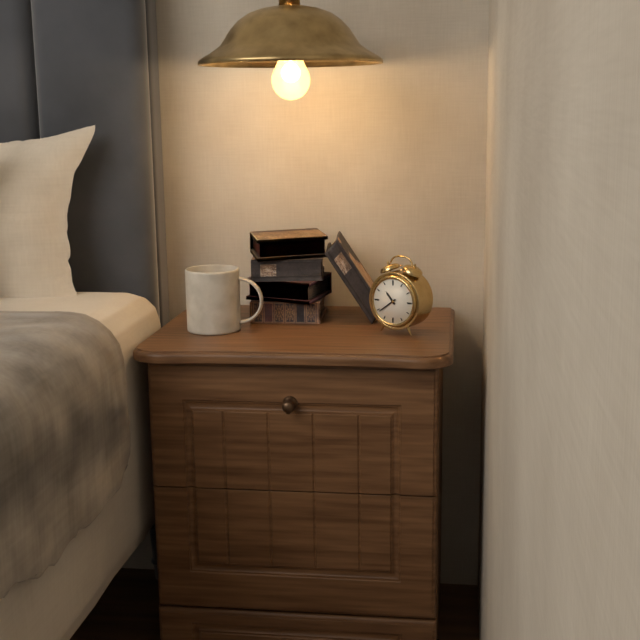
**10:39**
